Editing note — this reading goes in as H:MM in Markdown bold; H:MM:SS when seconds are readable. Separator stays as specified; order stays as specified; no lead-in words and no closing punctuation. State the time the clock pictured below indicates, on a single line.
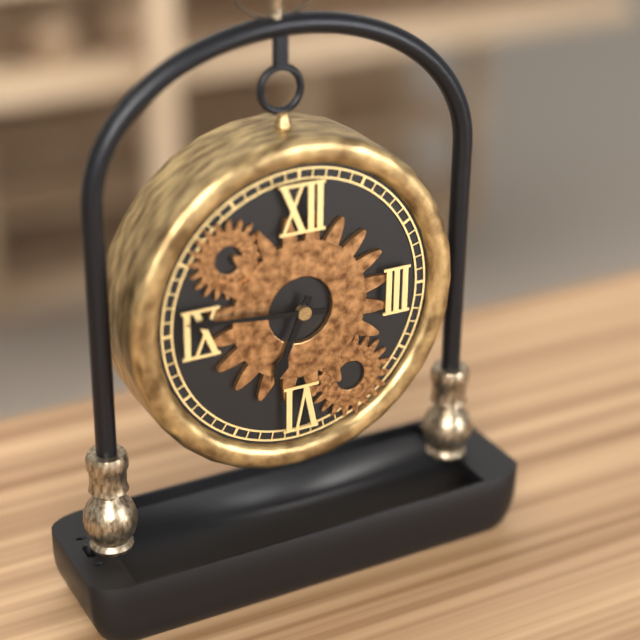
**6:46**
